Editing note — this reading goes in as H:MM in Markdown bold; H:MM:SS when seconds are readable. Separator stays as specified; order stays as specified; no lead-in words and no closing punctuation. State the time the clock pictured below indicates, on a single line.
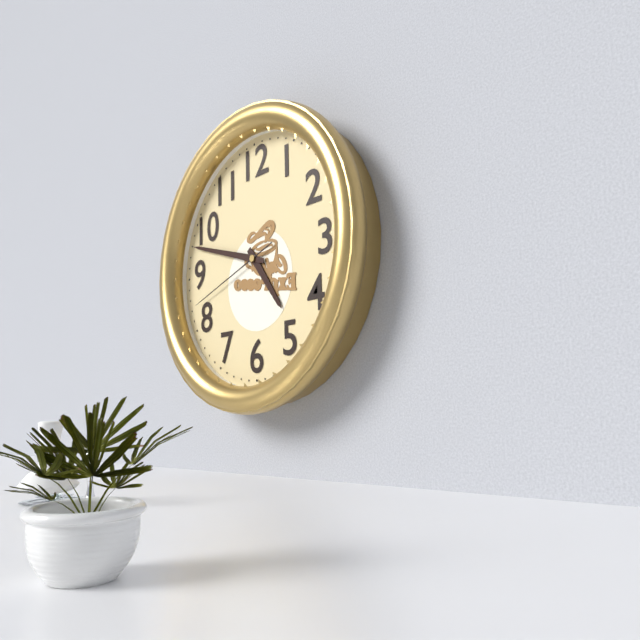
**4:48:42**
